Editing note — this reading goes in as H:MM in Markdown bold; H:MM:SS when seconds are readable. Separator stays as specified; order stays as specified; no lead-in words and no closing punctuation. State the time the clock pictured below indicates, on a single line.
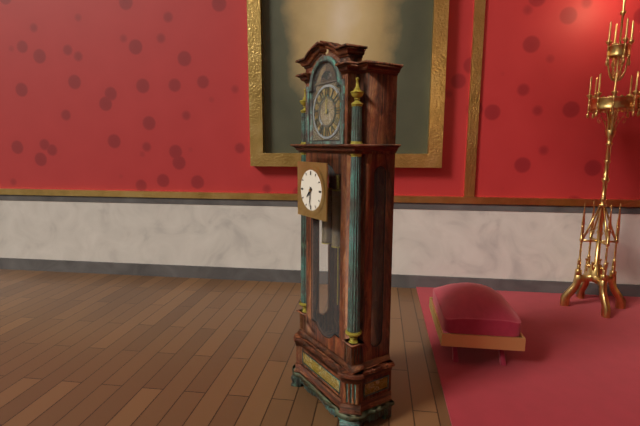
**7:31**
